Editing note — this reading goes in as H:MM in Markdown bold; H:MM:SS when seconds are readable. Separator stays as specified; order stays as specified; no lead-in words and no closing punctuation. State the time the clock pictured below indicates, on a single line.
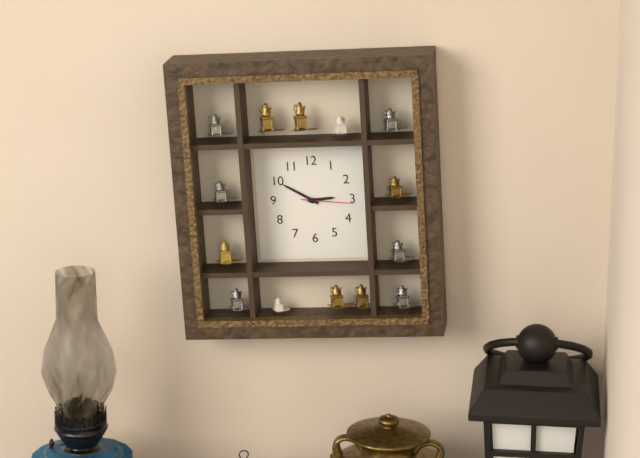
**2:50:16**
